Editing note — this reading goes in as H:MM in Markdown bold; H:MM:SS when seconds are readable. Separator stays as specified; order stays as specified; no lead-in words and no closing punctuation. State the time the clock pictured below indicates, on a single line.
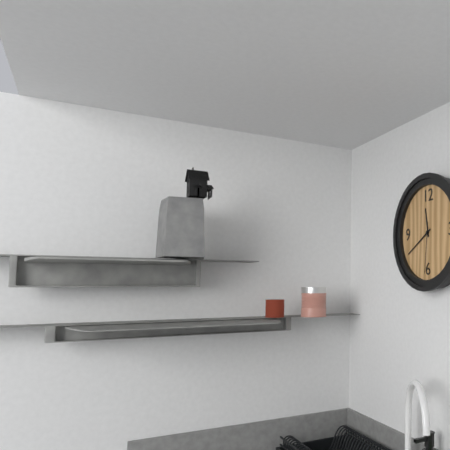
**11:40:31**
